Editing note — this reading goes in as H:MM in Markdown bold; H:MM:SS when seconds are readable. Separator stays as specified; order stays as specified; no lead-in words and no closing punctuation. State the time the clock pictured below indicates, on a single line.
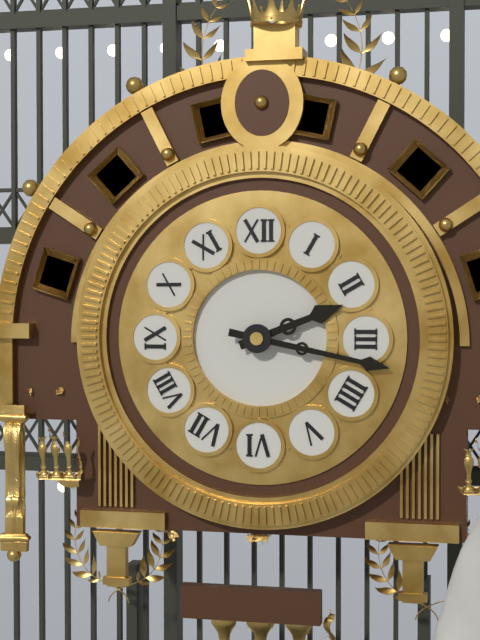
**2:17**
